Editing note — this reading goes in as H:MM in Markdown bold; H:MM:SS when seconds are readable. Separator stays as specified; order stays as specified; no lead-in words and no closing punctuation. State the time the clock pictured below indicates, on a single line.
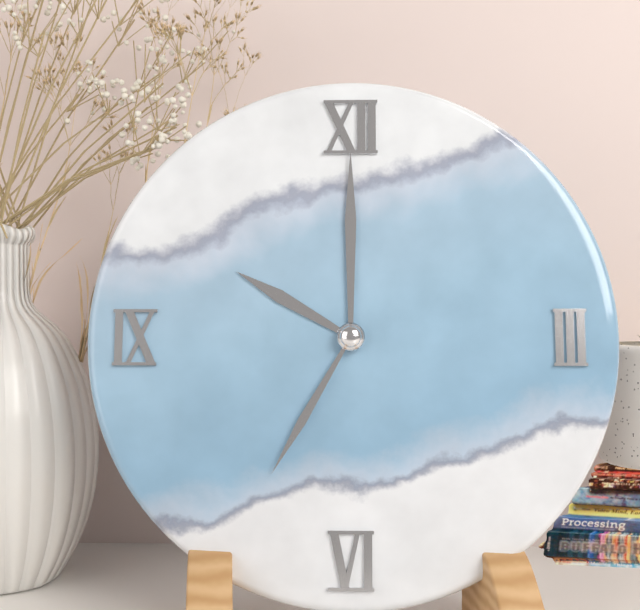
**10:00:35**
